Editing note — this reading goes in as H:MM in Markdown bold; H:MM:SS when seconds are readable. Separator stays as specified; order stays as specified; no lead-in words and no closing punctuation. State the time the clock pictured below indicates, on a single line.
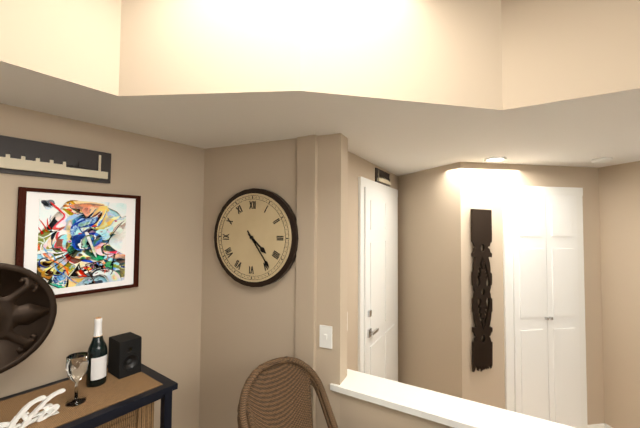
**4:24**
